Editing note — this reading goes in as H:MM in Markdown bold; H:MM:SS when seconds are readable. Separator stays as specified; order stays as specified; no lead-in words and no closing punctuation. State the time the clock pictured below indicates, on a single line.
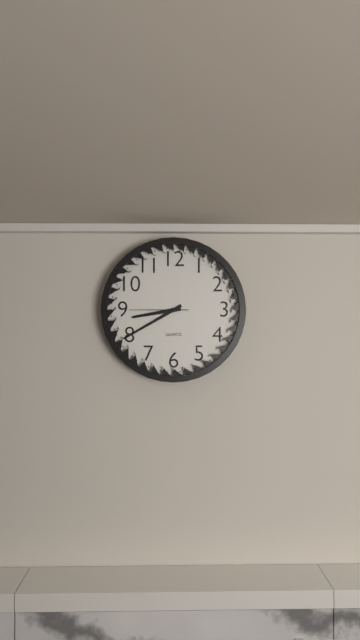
**8:40:45**
